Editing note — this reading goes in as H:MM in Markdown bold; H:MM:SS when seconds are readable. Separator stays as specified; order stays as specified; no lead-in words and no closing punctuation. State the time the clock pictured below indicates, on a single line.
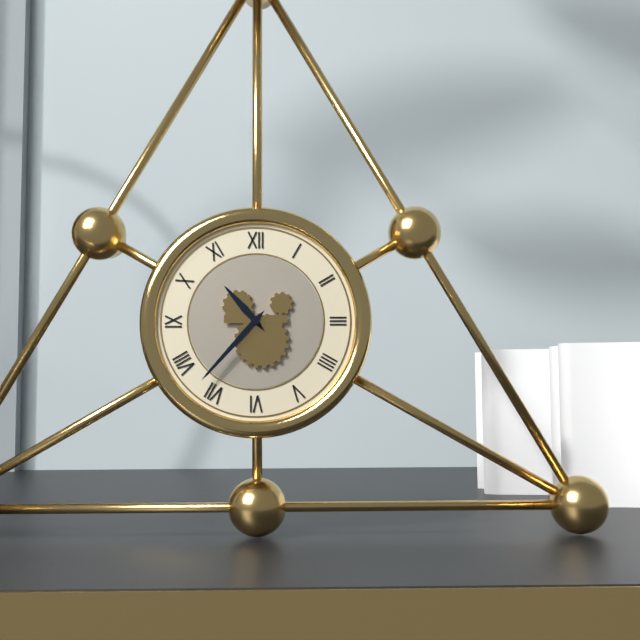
**10:37**
